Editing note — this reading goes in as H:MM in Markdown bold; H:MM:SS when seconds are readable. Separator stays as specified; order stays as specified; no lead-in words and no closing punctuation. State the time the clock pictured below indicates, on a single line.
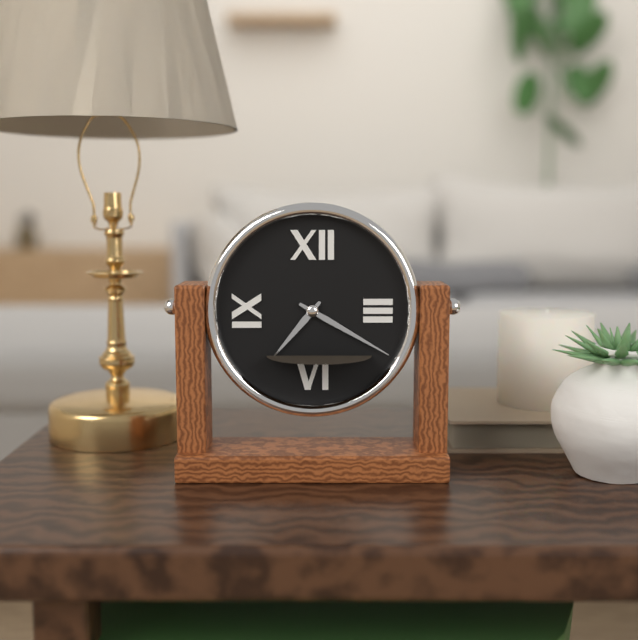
**7:20**
